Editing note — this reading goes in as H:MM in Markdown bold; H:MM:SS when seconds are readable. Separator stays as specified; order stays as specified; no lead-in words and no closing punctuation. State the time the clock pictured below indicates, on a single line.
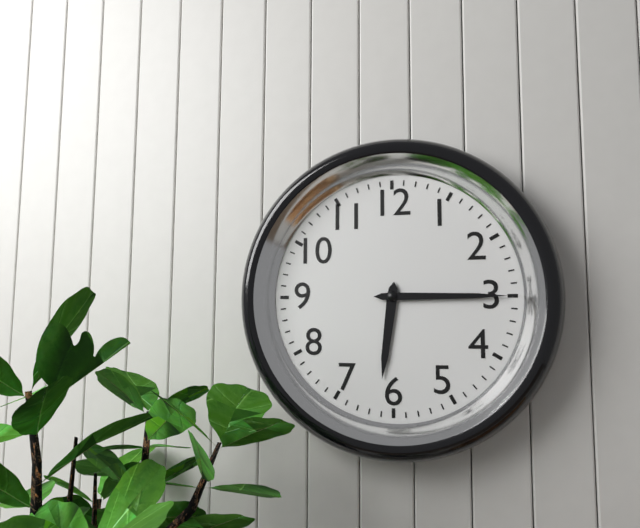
**6:15**
